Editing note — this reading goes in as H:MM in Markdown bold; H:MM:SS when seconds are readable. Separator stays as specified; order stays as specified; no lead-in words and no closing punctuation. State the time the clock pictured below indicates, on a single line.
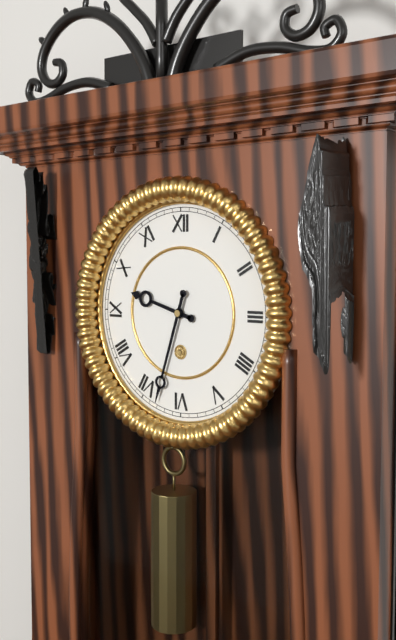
**9:33**
